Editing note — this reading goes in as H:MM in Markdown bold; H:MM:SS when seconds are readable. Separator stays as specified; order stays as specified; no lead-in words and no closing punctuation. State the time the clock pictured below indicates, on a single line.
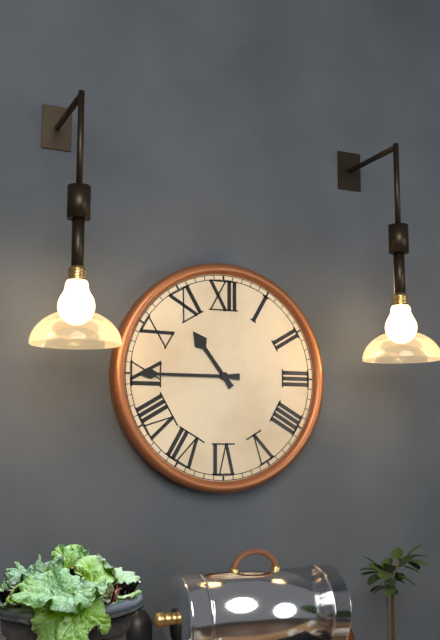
**10:45**
